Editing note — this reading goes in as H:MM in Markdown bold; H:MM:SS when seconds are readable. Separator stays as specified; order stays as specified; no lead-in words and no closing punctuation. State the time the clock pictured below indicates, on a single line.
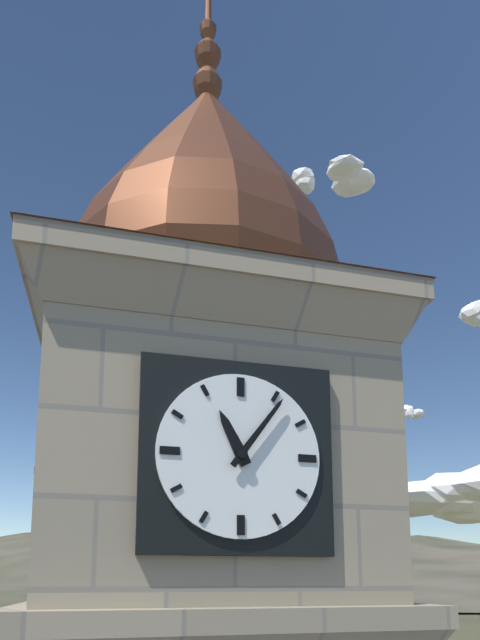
**11:06**
